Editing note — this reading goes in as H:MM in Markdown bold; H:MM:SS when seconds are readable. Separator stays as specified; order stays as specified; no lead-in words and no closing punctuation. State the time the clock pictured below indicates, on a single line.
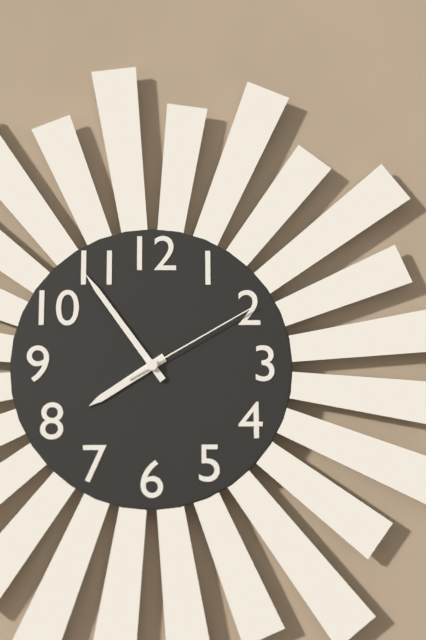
**7:54:10**
